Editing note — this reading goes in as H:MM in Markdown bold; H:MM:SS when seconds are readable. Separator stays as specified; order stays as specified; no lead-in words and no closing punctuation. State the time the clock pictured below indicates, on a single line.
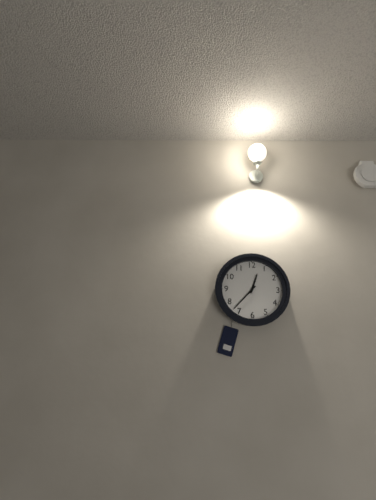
**12:37**
